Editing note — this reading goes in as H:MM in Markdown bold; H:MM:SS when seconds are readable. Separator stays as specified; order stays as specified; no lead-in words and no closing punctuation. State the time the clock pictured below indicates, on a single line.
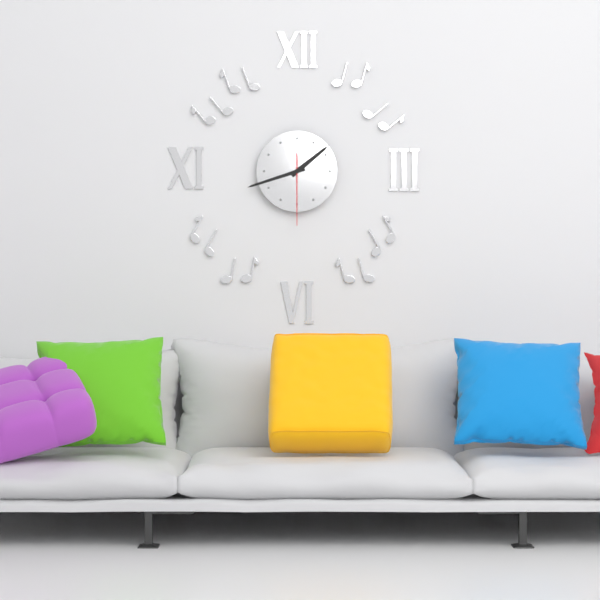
**1:42:30**
